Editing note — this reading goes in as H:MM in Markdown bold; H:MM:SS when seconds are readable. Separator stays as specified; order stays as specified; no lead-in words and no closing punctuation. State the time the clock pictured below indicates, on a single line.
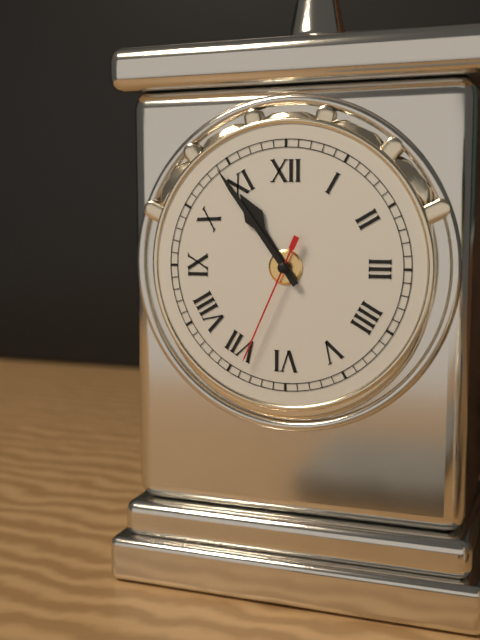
**10:54:34**
